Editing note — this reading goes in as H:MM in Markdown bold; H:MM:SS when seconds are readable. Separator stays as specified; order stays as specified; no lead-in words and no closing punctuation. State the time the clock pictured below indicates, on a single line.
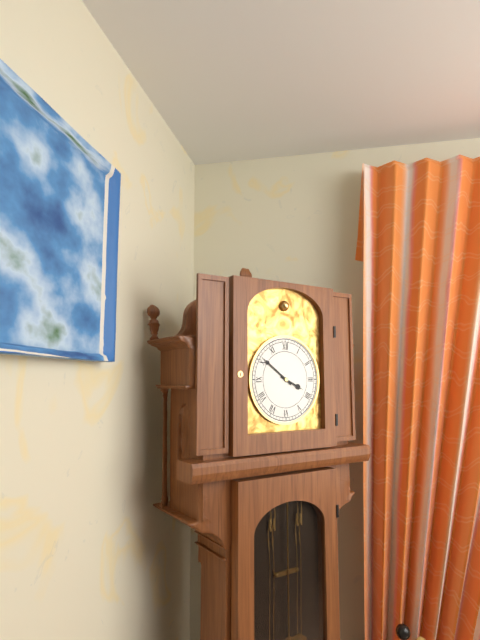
**3:51**
